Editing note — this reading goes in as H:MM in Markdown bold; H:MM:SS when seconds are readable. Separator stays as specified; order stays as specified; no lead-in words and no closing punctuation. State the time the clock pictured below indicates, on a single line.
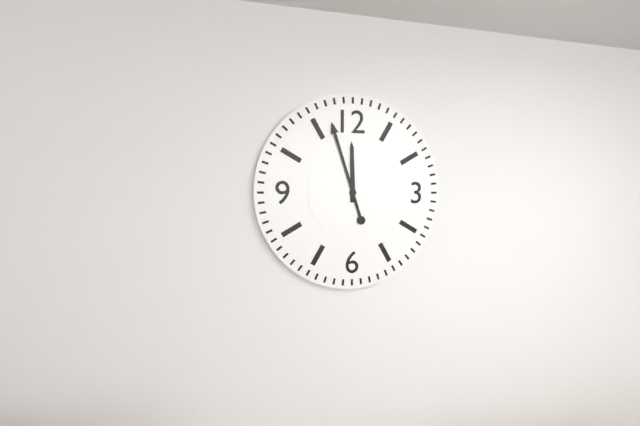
**11:57**
